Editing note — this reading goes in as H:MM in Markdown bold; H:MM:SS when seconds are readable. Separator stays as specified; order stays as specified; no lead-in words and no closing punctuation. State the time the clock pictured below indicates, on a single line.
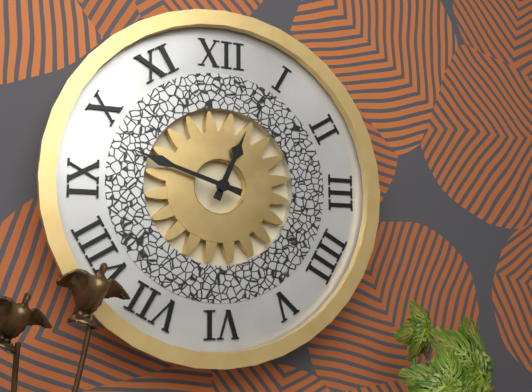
**12:48**
